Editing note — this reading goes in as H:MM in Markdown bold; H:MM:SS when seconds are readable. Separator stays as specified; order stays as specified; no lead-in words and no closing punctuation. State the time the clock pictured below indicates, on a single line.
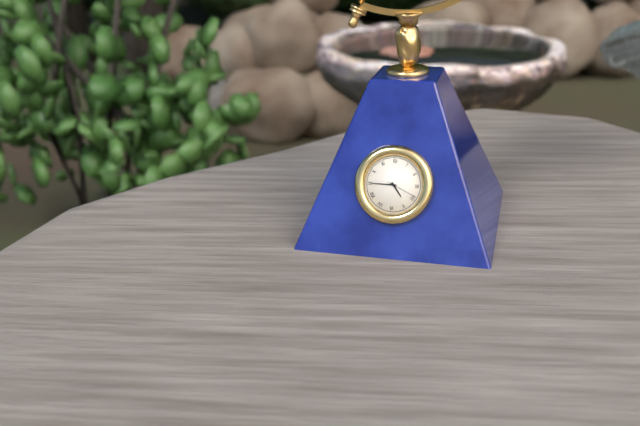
**4:45**
